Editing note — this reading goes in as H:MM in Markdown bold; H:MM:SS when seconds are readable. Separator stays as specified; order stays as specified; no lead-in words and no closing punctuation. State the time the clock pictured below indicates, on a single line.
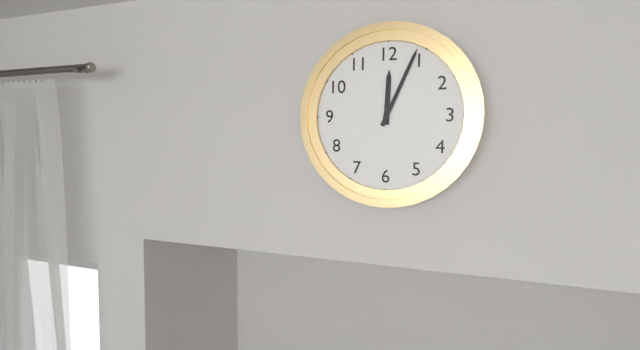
**12:04**
